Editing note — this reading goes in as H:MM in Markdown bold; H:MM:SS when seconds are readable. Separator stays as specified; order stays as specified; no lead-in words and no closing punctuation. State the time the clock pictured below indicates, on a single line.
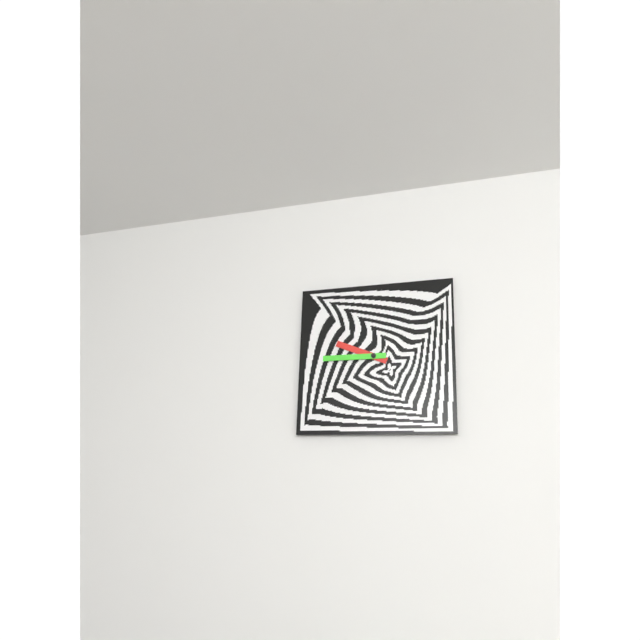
**9:45**
